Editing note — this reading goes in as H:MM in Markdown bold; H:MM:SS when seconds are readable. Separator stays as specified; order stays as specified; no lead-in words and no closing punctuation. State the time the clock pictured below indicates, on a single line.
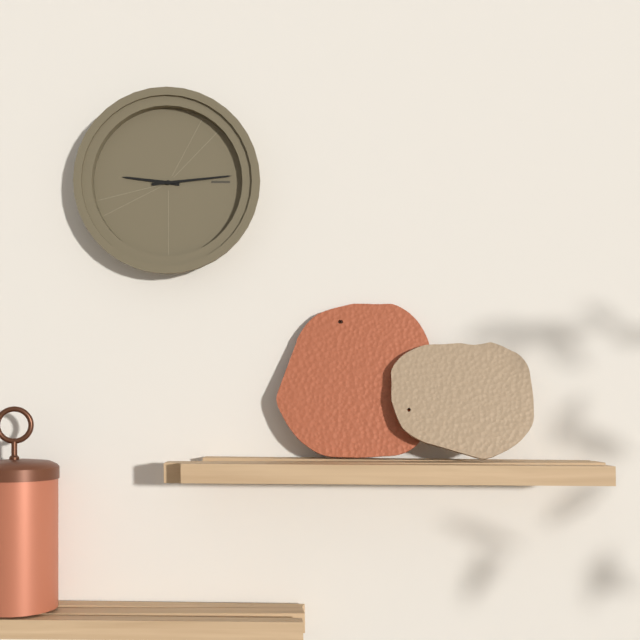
**9:14**
